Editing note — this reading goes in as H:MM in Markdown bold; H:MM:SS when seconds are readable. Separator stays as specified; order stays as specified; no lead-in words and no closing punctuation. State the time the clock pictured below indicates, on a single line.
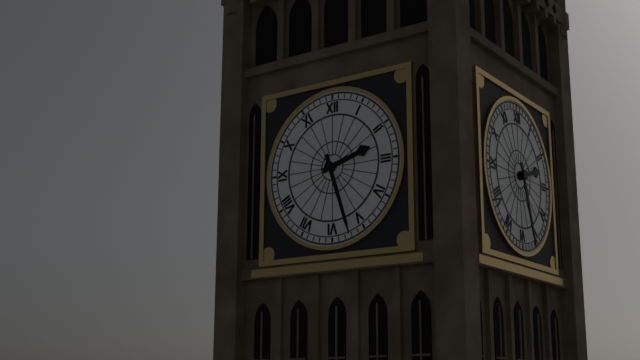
**2:27**
